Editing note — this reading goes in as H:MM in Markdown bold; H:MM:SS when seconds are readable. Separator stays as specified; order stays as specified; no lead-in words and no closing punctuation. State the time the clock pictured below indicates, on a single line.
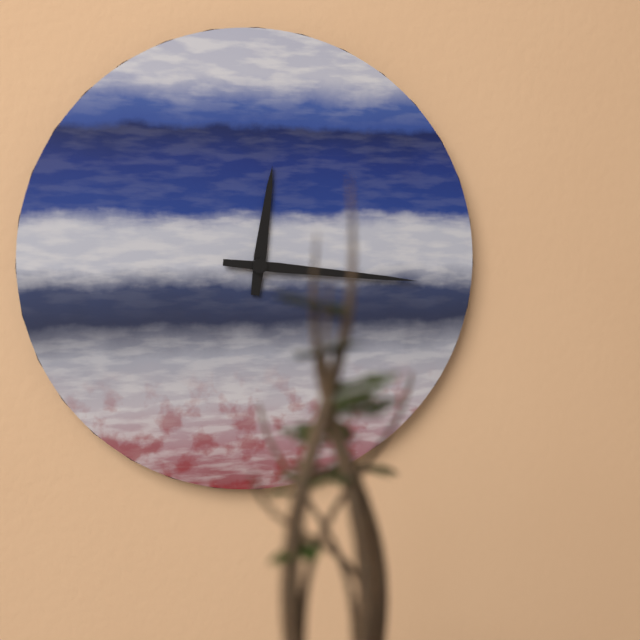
**12:16**
